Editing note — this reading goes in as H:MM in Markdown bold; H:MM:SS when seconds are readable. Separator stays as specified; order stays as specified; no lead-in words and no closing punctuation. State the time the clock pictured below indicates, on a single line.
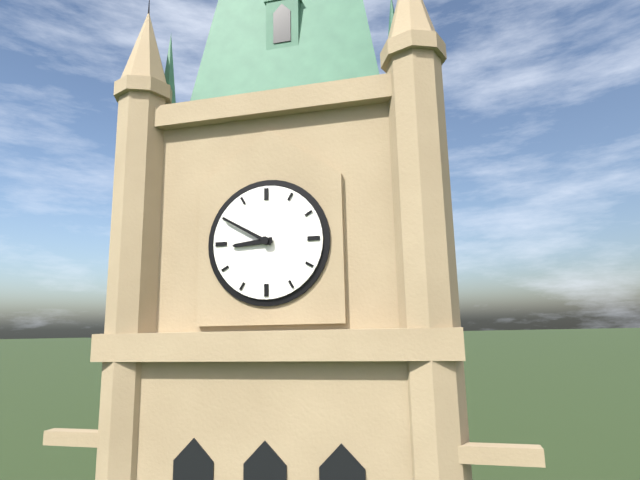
**8:50**
